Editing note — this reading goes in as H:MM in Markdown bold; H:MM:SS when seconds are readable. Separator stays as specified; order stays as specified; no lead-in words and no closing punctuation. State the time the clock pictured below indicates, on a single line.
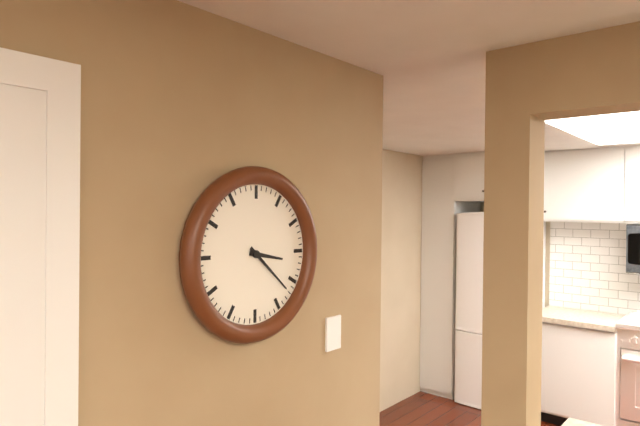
**3:22**
